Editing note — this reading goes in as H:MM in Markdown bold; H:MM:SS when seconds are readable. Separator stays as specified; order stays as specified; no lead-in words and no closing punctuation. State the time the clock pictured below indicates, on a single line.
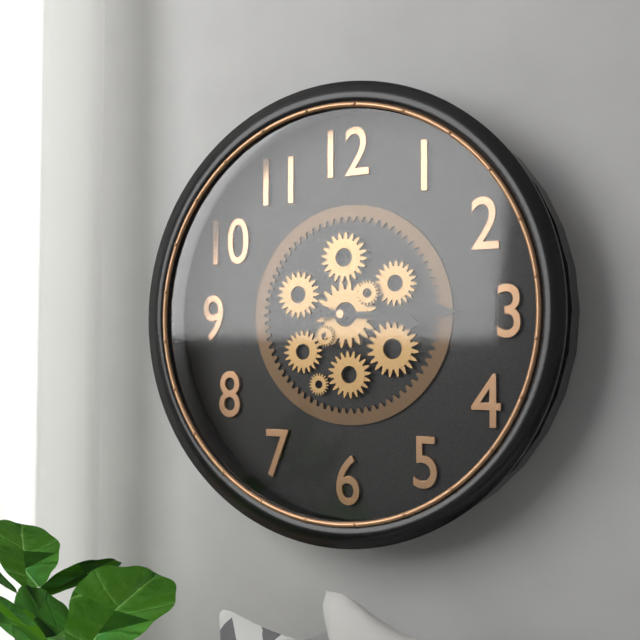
**3:15**
